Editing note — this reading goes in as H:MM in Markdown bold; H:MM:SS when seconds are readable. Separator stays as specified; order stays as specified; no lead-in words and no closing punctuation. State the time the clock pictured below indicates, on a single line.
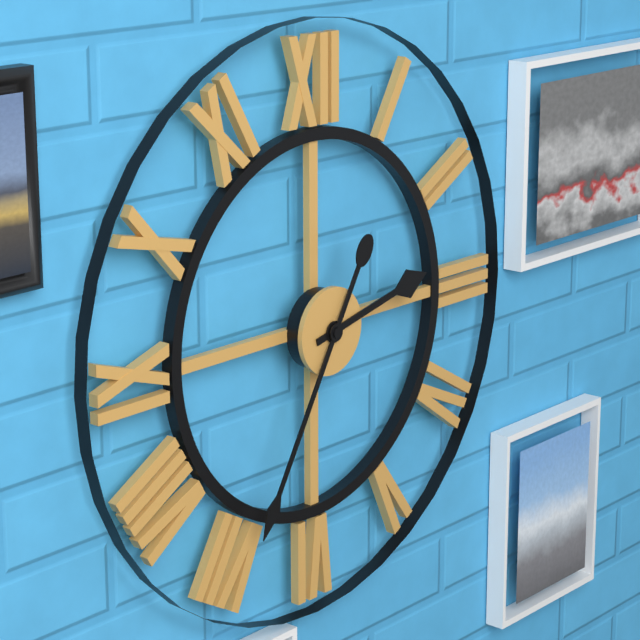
**2:35**
